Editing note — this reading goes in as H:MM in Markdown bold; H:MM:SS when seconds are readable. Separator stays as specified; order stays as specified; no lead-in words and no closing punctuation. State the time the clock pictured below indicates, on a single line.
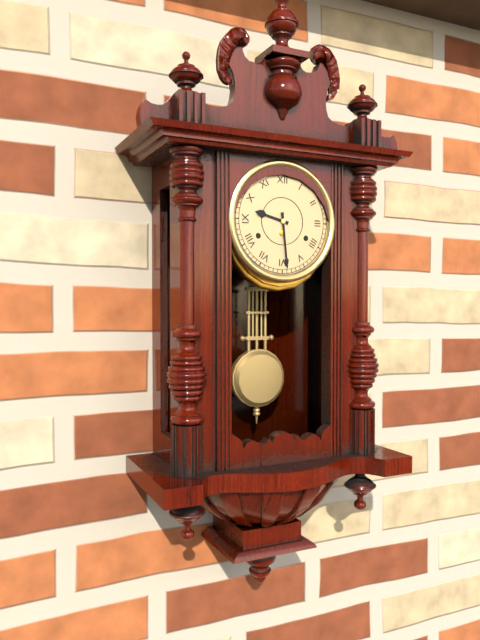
**9:29**
